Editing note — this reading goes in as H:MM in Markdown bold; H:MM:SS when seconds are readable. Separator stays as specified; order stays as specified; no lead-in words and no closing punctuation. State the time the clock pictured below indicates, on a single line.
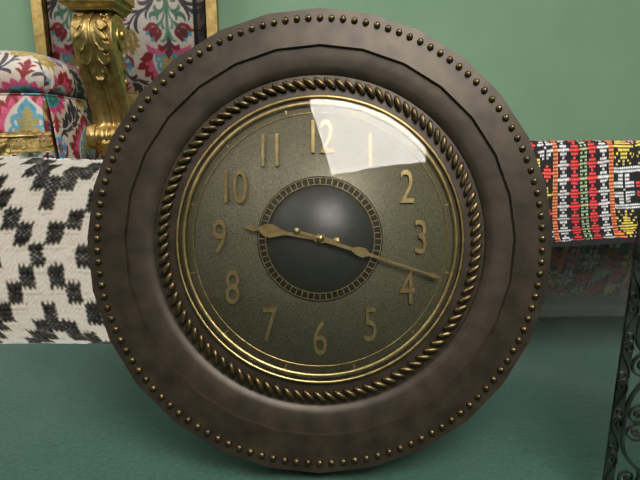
**9:18**
